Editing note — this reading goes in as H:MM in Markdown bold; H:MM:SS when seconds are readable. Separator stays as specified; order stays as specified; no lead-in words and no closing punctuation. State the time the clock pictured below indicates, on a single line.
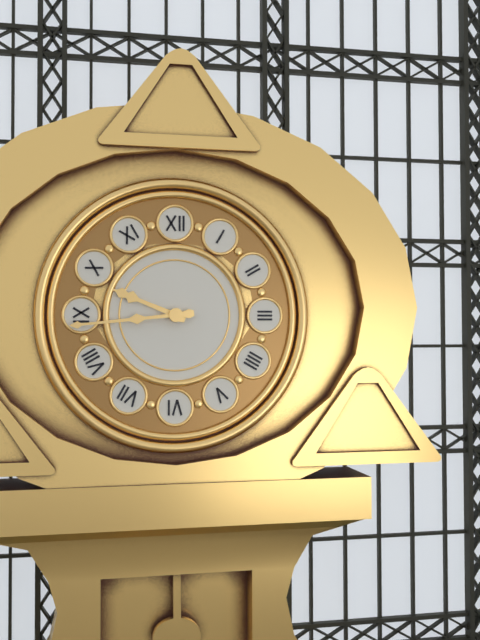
**9:44**
